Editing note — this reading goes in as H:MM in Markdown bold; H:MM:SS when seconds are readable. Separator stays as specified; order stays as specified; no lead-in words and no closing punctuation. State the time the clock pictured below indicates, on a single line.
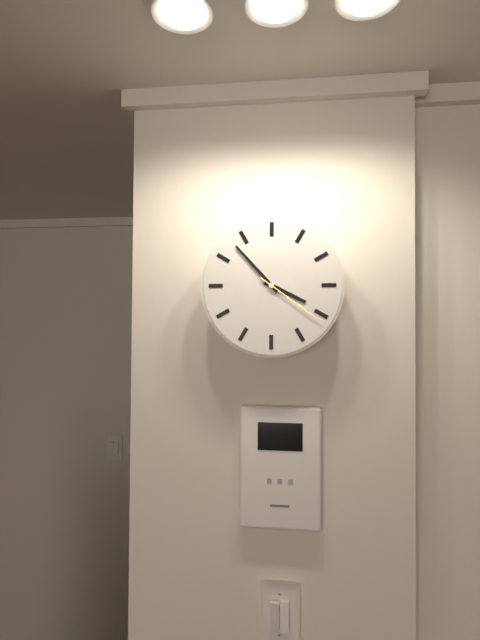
**3:53:21**
